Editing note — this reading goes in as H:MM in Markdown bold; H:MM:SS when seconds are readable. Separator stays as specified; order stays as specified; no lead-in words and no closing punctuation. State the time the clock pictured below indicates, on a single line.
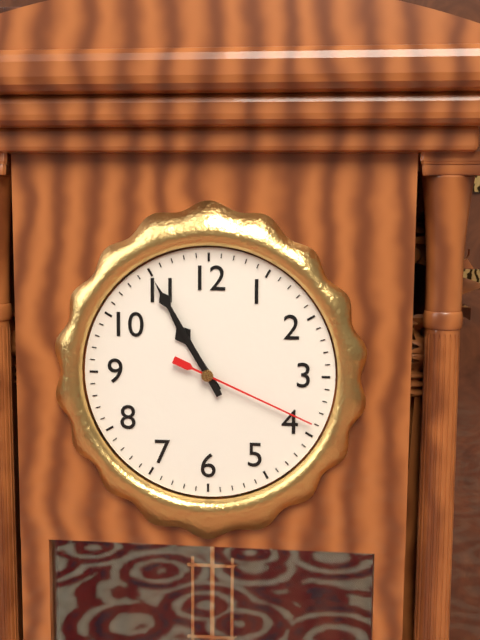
**10:55:19**
